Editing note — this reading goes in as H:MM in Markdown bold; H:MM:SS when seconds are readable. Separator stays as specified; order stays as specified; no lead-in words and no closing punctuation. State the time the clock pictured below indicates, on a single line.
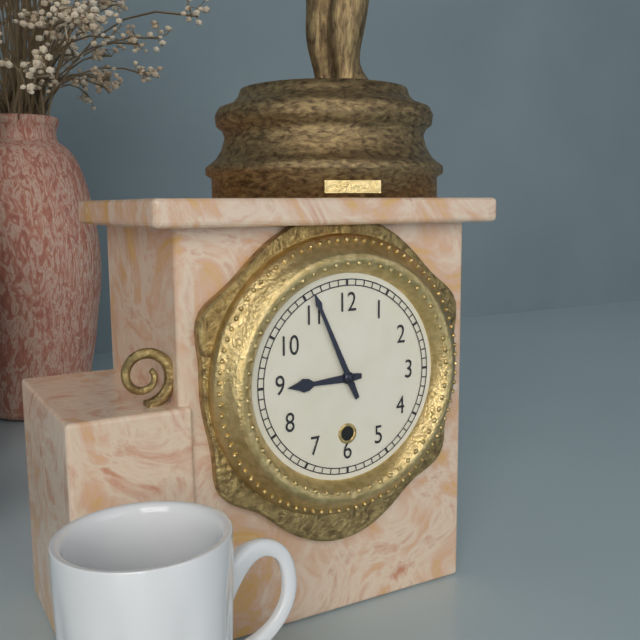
**8:56**
